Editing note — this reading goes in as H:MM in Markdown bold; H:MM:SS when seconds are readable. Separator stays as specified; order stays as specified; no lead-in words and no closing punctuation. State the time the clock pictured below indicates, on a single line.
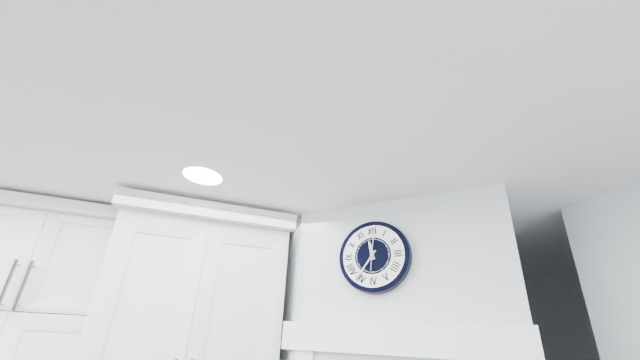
**11:36**
